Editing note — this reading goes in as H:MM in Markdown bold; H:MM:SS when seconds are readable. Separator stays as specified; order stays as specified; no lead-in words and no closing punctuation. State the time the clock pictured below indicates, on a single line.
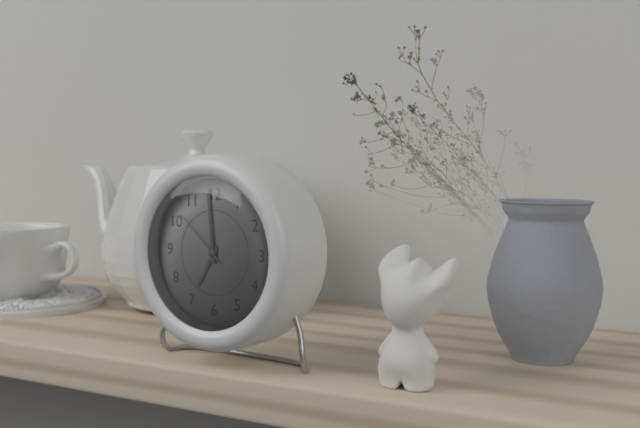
**6:59:52**
